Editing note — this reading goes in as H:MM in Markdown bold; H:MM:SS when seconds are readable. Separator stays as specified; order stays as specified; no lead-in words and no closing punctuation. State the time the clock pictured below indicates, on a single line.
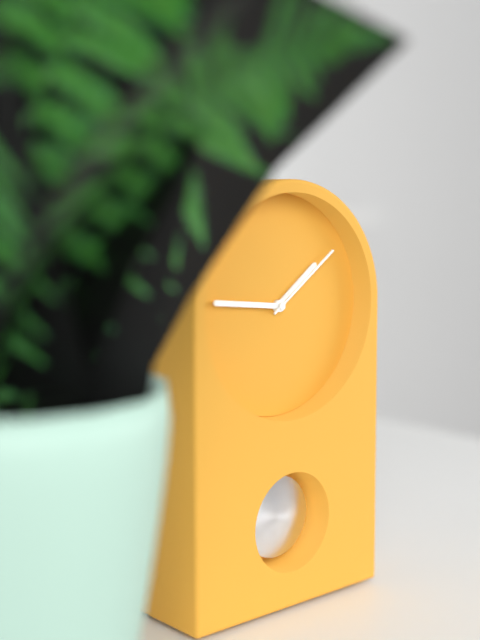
**1:46:09**
